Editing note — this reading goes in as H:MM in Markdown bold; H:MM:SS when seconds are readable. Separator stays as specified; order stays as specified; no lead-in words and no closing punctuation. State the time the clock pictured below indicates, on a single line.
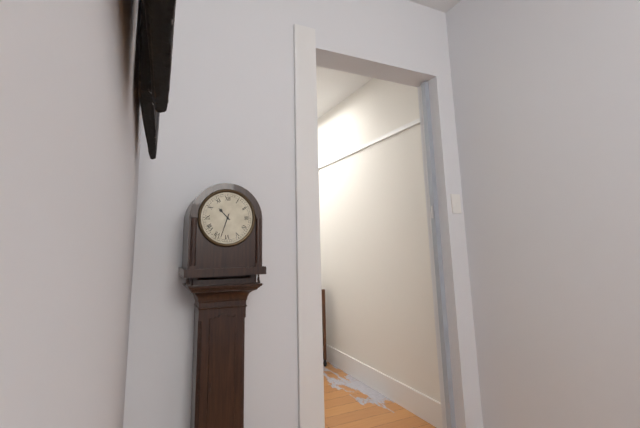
**10:33**
